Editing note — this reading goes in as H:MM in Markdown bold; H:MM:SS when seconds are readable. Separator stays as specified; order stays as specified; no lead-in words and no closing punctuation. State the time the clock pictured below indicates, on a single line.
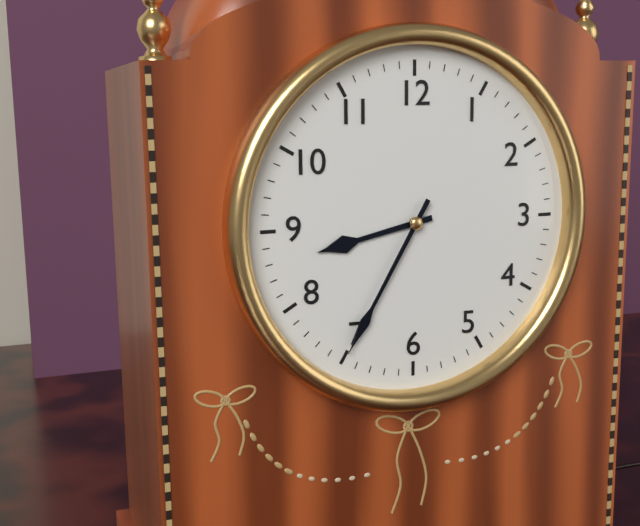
**8:35**
